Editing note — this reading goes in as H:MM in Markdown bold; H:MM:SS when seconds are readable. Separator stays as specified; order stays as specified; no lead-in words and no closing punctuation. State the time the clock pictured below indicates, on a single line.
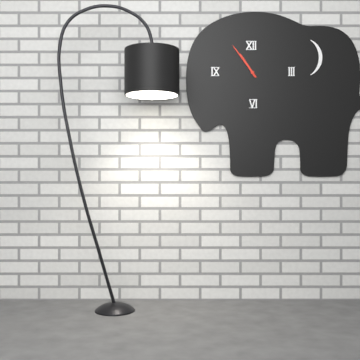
**10:54**
